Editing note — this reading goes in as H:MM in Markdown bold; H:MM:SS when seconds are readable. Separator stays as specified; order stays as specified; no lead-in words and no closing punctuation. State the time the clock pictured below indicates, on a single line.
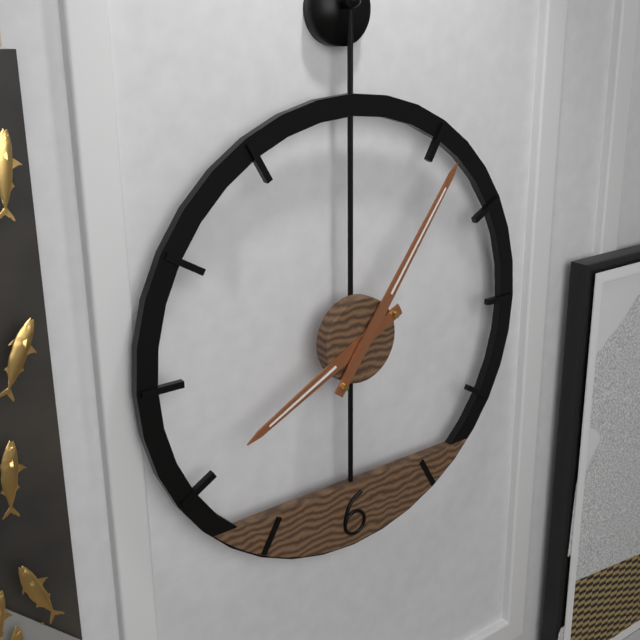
**8:06**
